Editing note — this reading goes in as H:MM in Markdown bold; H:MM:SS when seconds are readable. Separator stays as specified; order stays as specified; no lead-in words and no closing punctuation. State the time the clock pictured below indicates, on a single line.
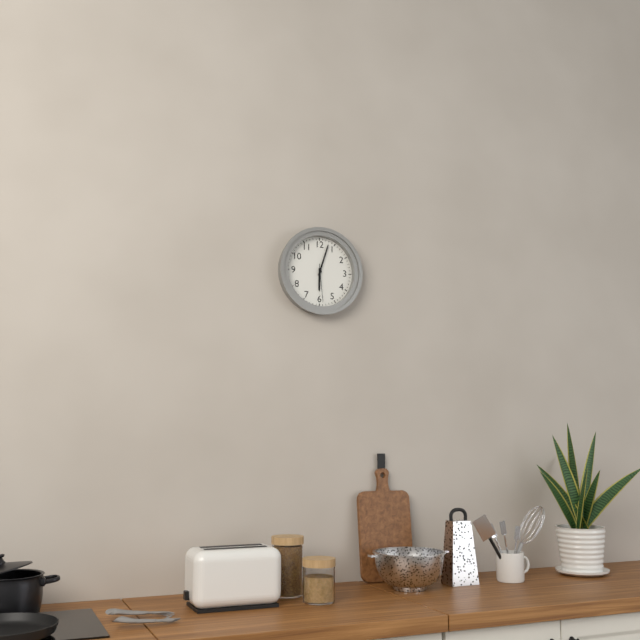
**6:03**
